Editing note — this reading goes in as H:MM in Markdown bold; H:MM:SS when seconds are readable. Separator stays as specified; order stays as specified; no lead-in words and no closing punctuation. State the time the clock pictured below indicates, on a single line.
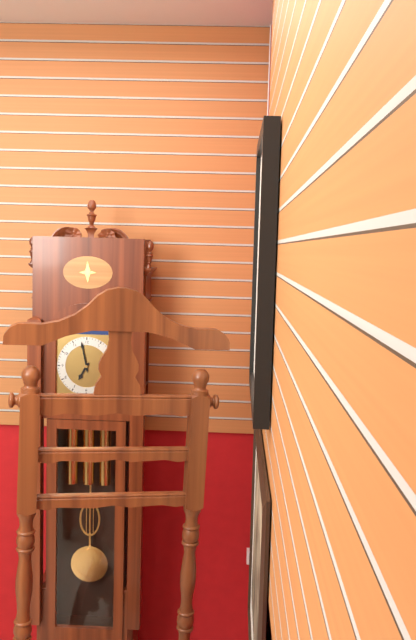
**6:58**
